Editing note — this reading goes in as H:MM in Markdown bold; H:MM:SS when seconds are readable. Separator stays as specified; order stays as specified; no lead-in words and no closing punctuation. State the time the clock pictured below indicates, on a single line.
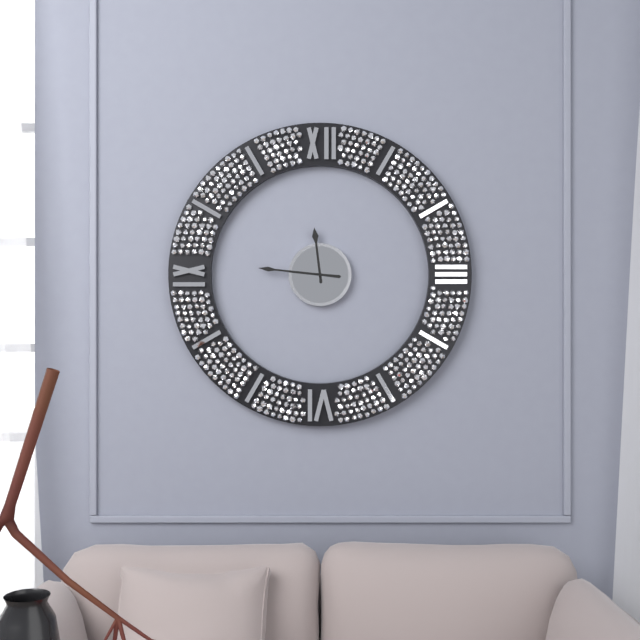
**11:46**
